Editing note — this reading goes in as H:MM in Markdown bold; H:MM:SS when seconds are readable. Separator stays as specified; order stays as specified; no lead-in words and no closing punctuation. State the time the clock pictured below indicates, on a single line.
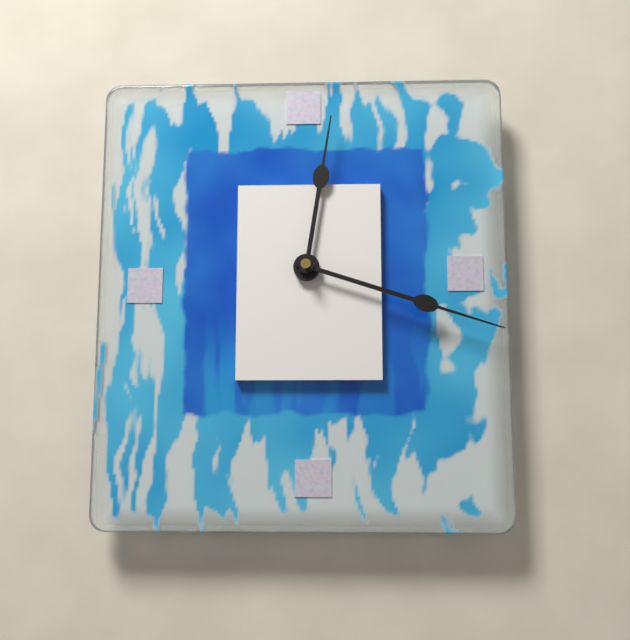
**12:18**
